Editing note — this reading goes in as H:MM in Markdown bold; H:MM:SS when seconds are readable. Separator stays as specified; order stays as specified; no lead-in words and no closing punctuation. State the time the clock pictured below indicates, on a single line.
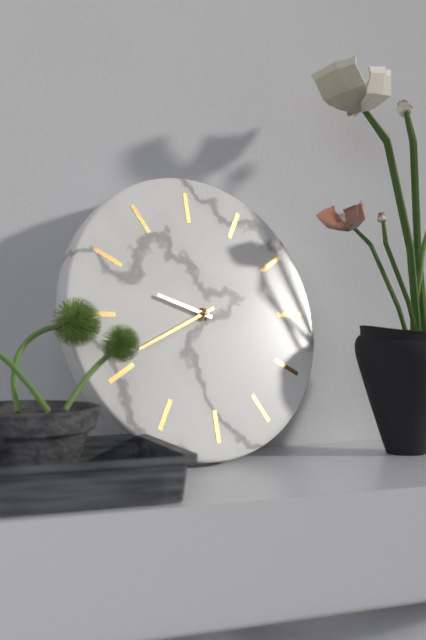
**9:41**
